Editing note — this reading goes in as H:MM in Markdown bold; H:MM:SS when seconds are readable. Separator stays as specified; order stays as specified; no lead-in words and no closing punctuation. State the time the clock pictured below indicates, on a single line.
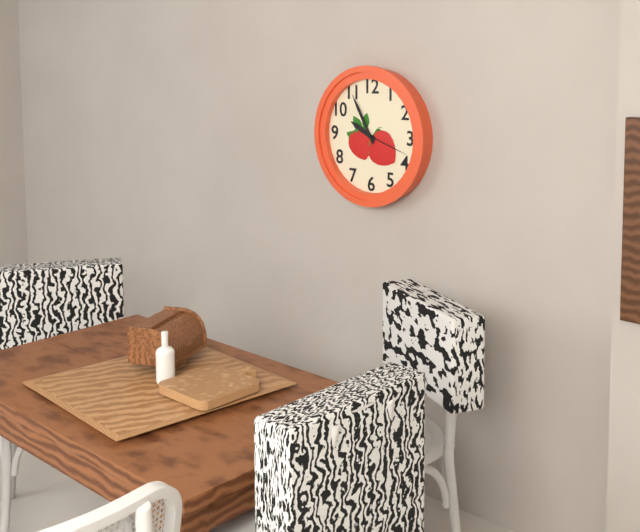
**9:55:18**
